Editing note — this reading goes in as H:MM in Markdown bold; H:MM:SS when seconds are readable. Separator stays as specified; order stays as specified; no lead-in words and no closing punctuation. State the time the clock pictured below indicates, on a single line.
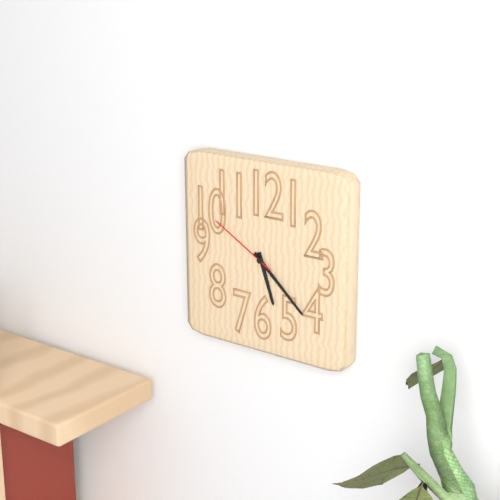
**5:22:50**
